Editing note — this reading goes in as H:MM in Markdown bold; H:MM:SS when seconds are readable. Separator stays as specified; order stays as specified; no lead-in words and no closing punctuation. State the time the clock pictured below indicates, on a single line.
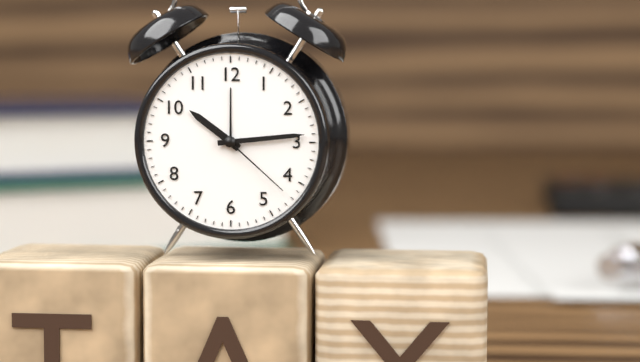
**10:14:22**
